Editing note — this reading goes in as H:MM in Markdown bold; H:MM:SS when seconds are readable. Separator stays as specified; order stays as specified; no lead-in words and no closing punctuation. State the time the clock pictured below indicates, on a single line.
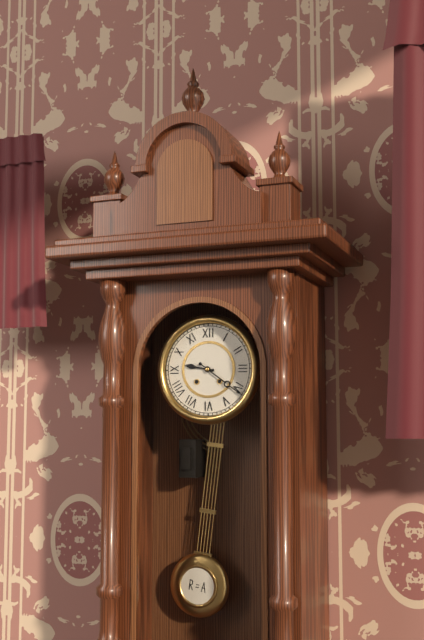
**9:21**
